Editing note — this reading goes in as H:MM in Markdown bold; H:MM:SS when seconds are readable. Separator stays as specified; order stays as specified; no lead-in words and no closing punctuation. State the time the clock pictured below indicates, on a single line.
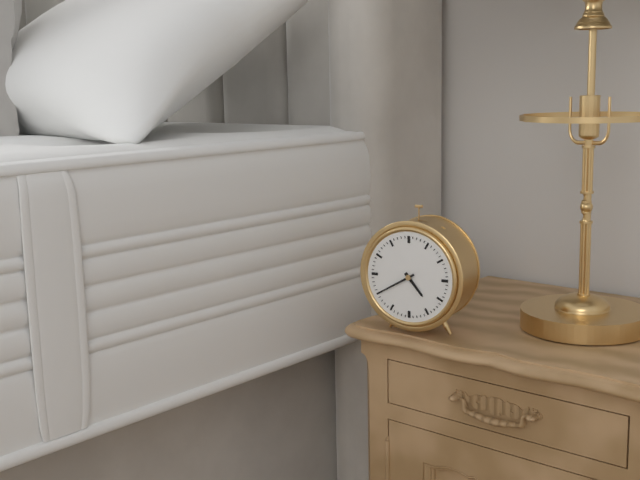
**4:40**
